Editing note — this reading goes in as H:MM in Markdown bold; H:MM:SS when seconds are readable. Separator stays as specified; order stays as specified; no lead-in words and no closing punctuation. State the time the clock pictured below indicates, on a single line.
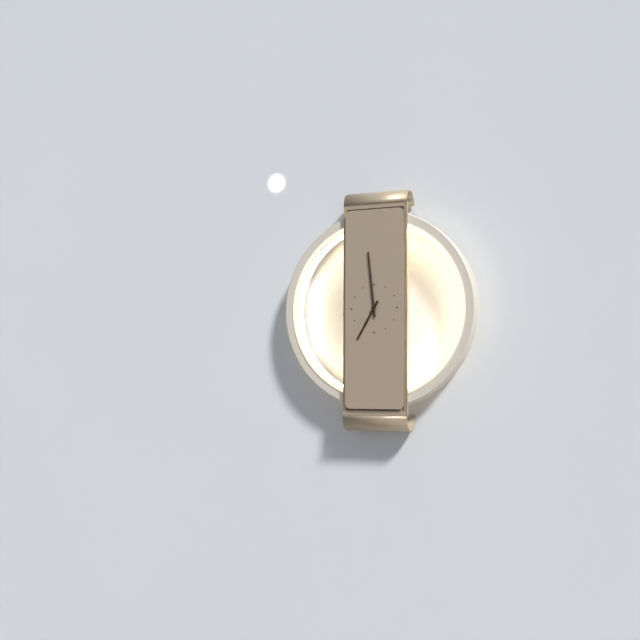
**6:59**
